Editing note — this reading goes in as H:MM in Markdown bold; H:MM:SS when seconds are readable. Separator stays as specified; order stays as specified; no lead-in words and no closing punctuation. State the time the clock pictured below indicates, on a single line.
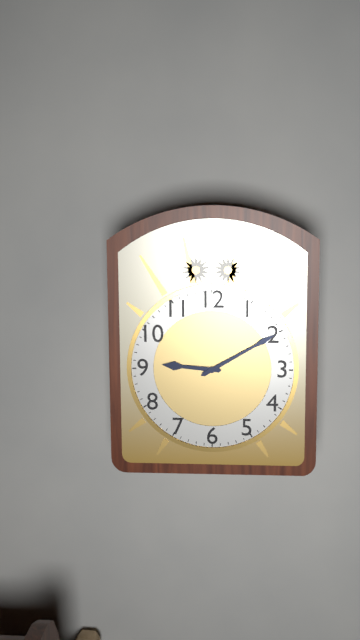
**9:10**
